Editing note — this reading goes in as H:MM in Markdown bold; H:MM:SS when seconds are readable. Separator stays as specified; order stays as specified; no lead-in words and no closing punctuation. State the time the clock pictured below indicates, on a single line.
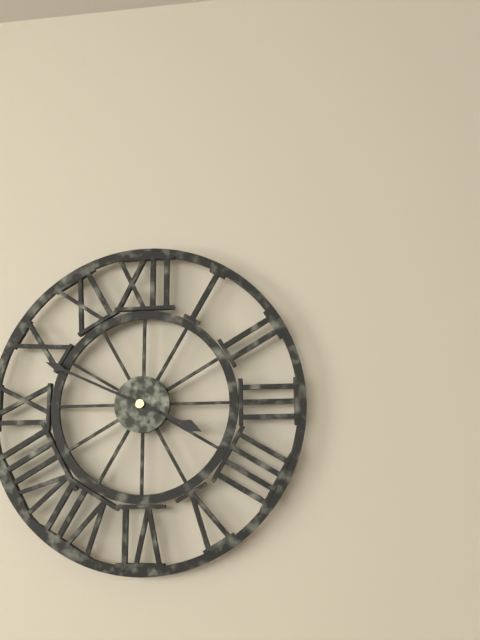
**3:49**
